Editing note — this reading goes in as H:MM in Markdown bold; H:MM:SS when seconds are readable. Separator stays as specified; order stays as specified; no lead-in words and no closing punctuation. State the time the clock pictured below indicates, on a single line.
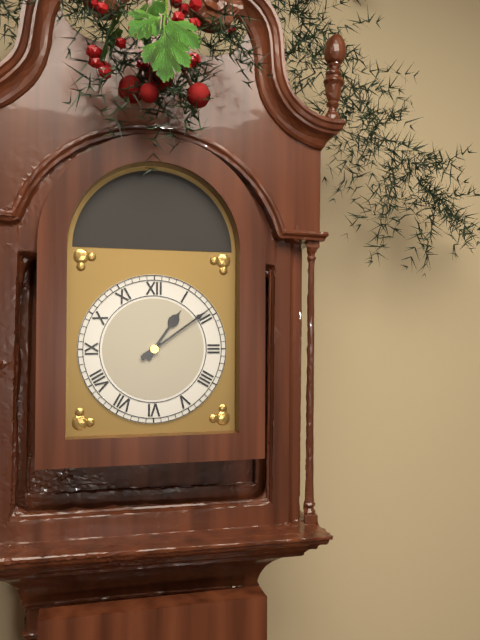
**1:09**
